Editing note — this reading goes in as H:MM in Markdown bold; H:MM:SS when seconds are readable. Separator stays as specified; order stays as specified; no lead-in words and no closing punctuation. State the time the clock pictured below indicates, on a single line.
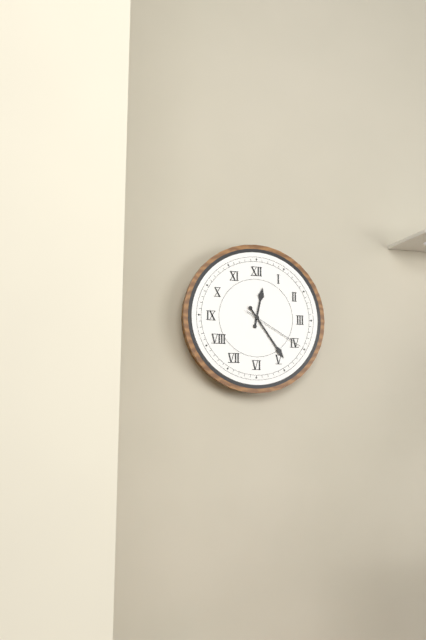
**12:24:20**
